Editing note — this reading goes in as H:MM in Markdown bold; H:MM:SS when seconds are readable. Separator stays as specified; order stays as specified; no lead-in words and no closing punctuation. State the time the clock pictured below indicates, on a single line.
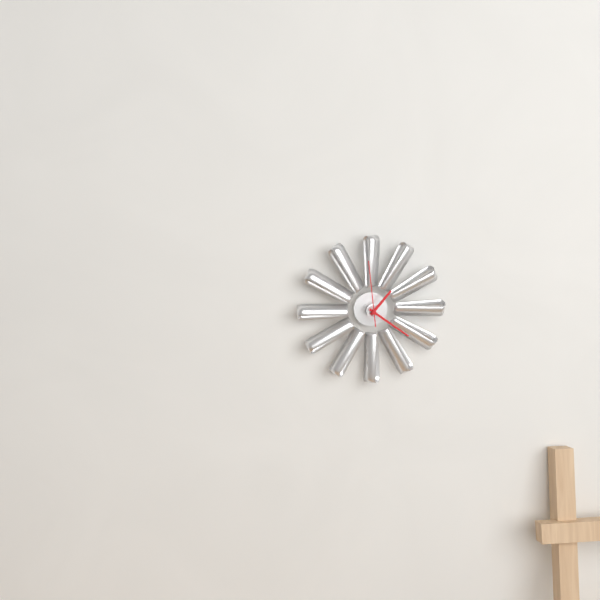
**1:21:59**
